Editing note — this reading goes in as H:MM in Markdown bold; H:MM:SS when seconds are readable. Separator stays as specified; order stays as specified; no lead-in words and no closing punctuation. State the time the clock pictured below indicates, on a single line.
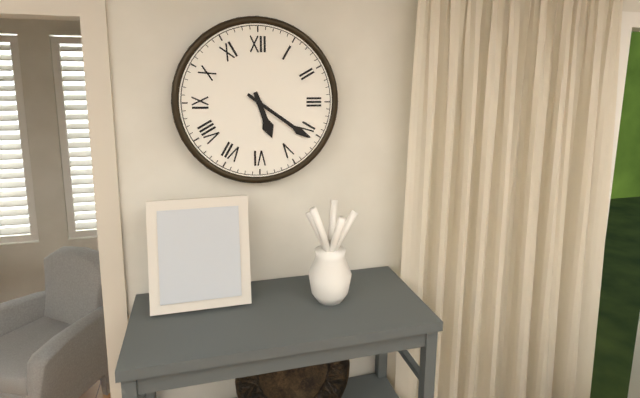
**5:21**
